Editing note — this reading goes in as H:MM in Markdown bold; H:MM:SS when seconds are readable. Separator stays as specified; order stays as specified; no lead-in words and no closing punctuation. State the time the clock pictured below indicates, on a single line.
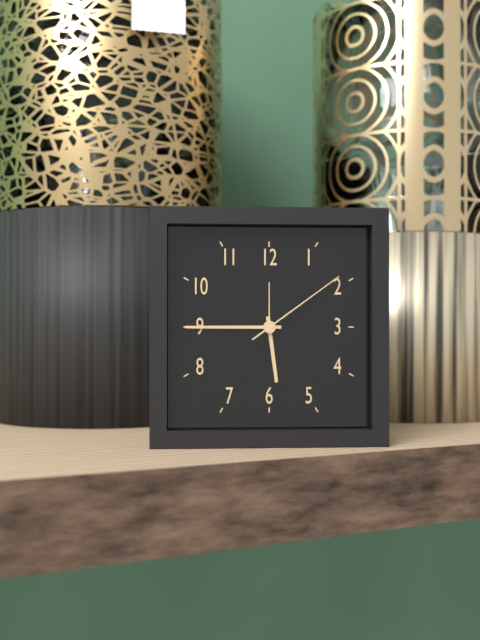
**5:45:09**
